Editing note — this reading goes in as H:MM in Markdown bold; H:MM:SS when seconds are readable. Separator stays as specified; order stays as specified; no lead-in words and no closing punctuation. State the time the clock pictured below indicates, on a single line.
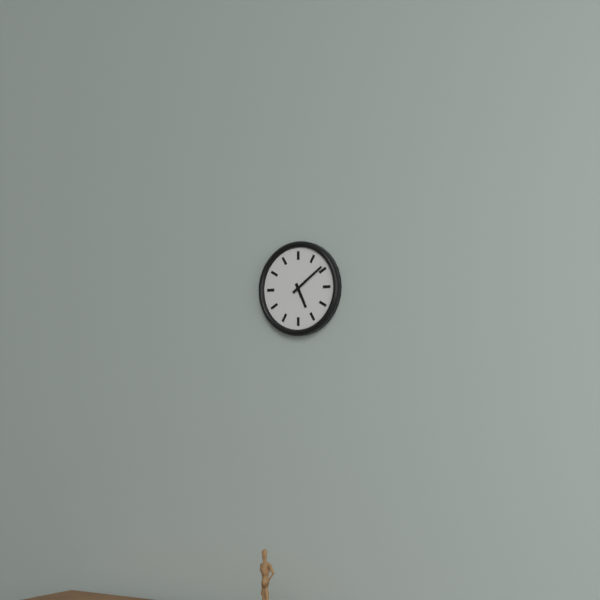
**5:09**
